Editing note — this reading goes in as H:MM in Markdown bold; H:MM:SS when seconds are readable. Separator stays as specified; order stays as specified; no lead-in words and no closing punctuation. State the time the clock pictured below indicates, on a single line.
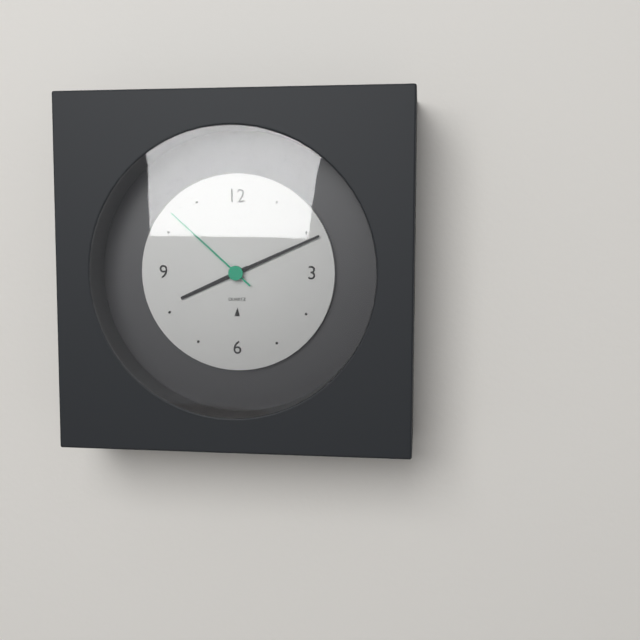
**8:11:52**
